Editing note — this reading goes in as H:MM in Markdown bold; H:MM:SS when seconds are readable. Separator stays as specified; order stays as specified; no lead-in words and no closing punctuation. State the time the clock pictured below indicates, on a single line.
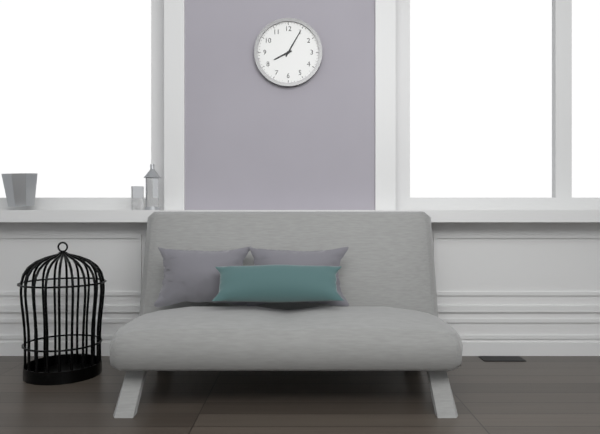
**8:05**
